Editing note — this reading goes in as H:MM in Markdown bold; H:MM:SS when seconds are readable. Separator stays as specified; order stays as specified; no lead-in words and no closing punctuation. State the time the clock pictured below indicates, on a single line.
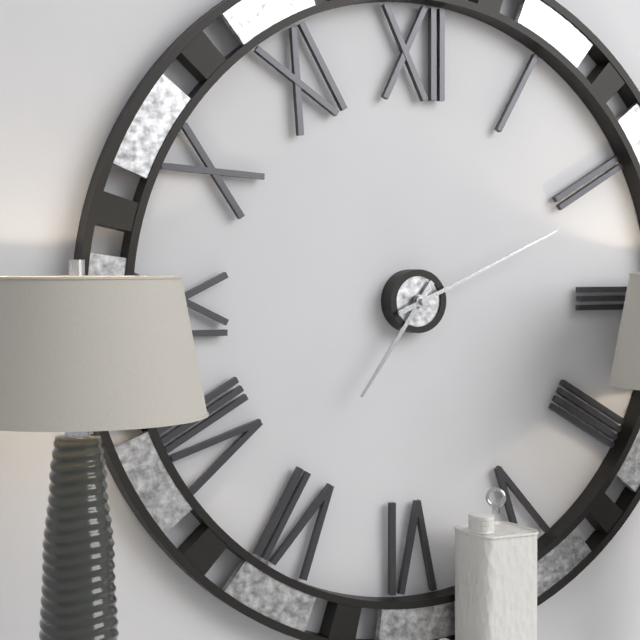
**7:11**
